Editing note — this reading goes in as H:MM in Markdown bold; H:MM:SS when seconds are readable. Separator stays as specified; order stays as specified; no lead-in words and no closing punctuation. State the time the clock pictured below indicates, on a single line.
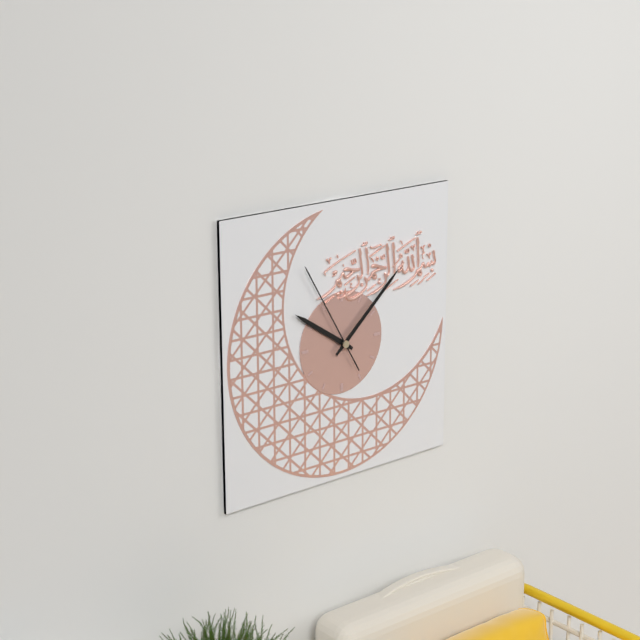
**10:08:55**
